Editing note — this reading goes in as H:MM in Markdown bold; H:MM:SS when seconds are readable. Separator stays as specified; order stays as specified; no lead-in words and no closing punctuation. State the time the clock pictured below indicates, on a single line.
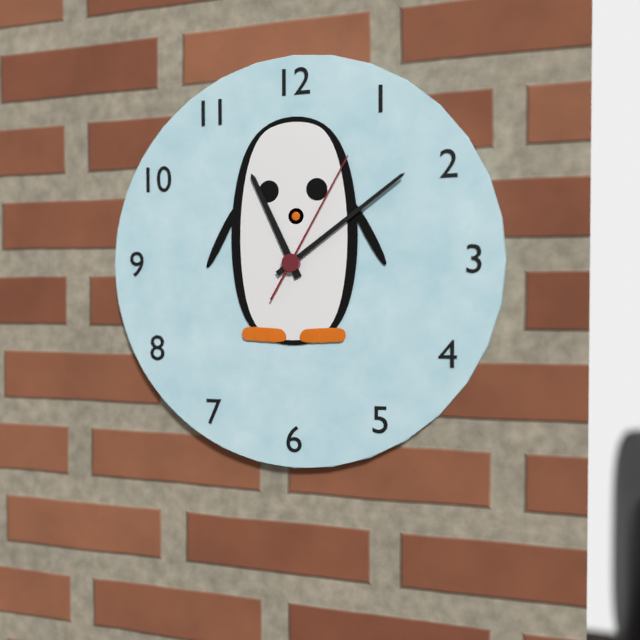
**11:09:05**
